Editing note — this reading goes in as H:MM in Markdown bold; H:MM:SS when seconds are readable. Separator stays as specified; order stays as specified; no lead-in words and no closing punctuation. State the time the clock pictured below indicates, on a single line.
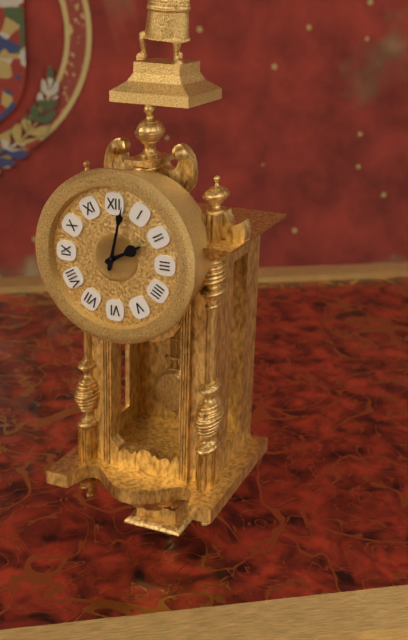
**2:02**
